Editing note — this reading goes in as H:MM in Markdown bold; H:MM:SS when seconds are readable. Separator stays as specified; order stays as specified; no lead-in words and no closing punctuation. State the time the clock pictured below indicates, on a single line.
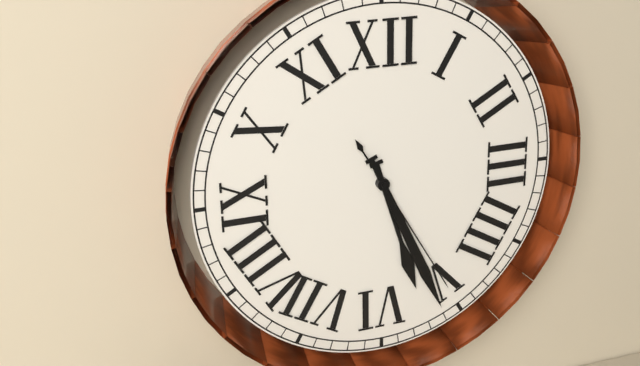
**5:26:25**
